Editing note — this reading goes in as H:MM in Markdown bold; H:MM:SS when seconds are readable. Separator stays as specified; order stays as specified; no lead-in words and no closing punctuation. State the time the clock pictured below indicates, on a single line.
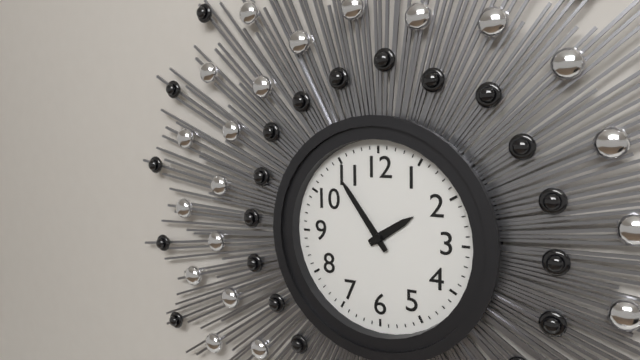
**1:54**
